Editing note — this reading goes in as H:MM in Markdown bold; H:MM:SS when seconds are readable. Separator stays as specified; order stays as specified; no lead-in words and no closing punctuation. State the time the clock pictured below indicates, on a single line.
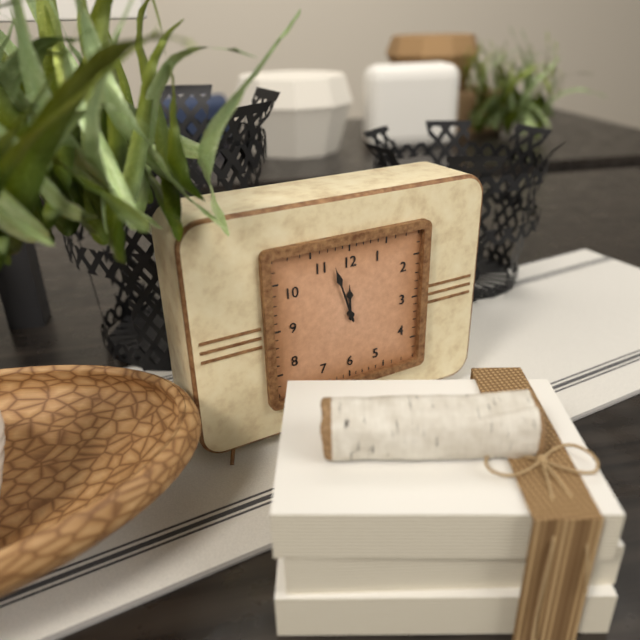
**11:57**
